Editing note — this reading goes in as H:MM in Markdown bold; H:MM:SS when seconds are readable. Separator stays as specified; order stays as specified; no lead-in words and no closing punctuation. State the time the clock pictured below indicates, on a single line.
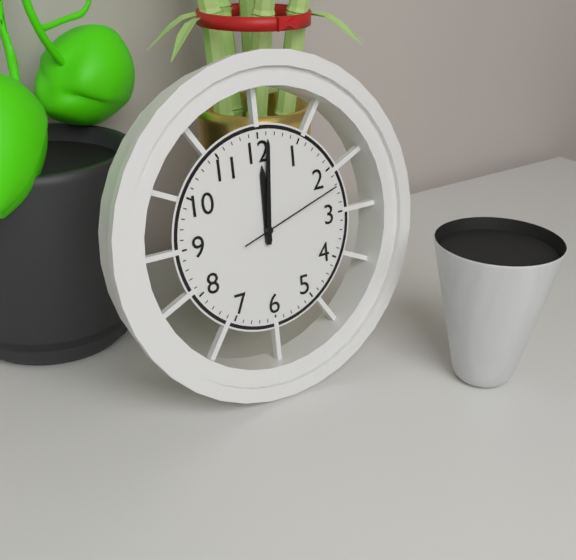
**12:01:12**
